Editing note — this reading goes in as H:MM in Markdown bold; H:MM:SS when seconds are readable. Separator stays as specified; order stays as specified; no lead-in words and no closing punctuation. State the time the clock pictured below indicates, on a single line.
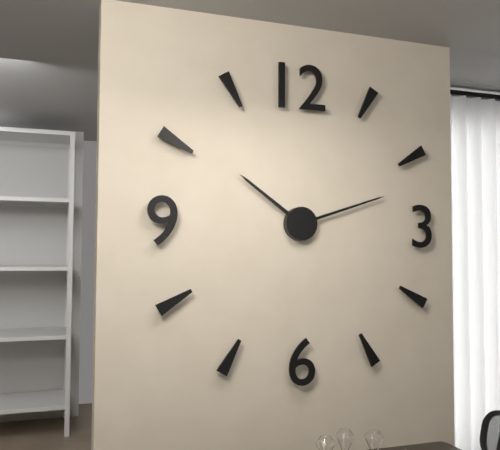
**10:12**
